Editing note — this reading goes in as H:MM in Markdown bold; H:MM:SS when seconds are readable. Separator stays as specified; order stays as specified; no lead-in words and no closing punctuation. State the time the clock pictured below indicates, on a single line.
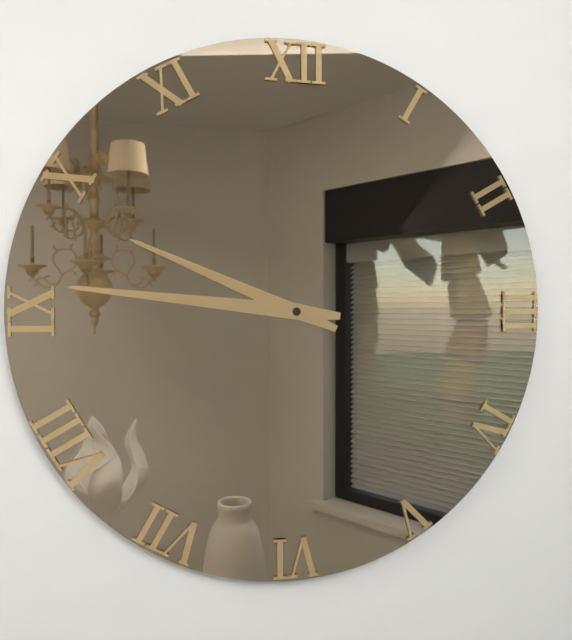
**9:46**
